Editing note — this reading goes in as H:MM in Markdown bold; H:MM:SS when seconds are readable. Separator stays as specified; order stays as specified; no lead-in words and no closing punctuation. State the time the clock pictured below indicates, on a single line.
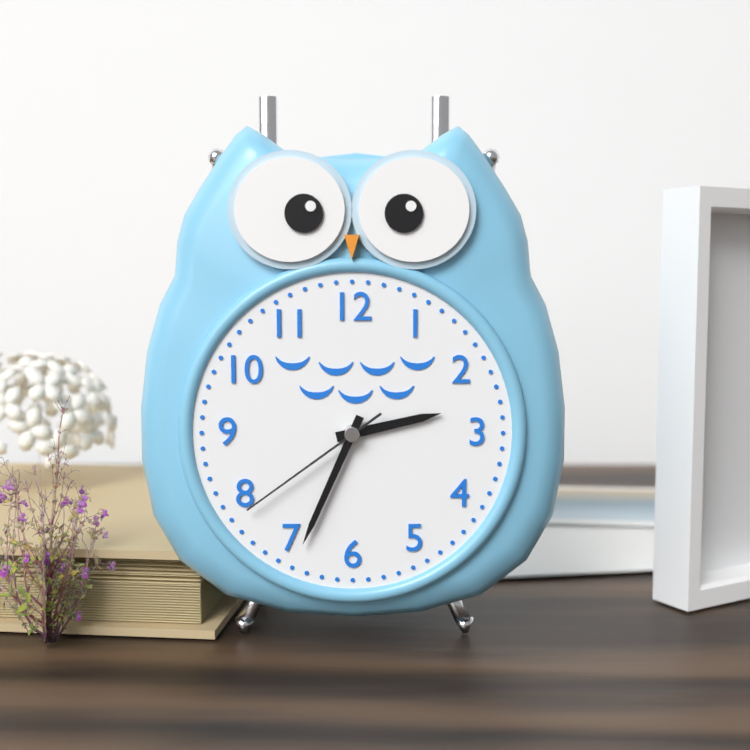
**2:34:39**
